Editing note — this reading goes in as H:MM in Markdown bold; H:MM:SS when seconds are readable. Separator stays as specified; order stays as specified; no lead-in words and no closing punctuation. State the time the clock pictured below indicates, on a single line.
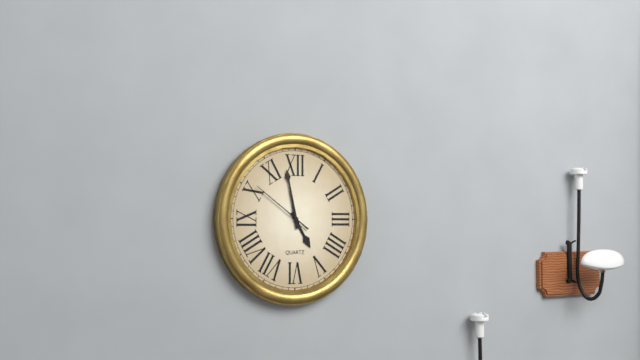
**4:58:51**
